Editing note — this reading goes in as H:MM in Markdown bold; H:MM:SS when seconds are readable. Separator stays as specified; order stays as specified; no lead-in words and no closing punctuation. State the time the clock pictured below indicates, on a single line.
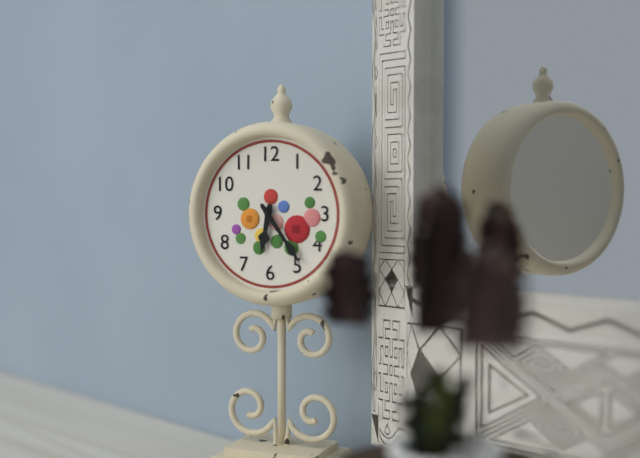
**6:24**
